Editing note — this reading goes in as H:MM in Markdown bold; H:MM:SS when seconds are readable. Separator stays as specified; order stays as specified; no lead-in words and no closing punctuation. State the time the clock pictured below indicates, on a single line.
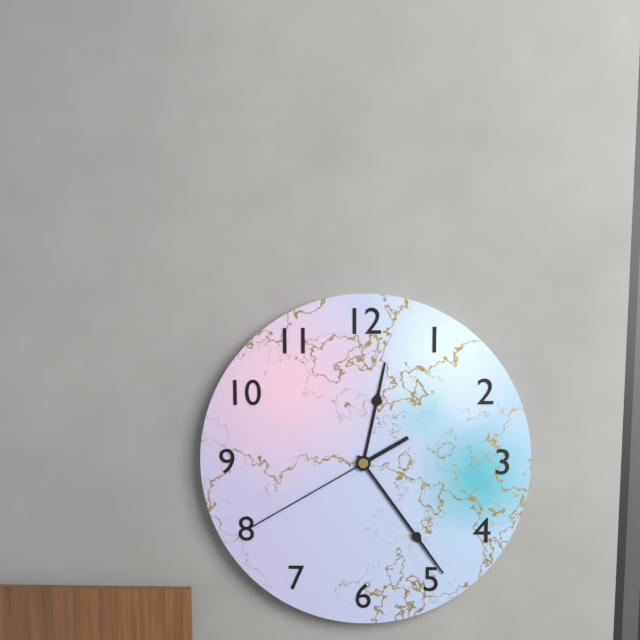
**12:24:40**
